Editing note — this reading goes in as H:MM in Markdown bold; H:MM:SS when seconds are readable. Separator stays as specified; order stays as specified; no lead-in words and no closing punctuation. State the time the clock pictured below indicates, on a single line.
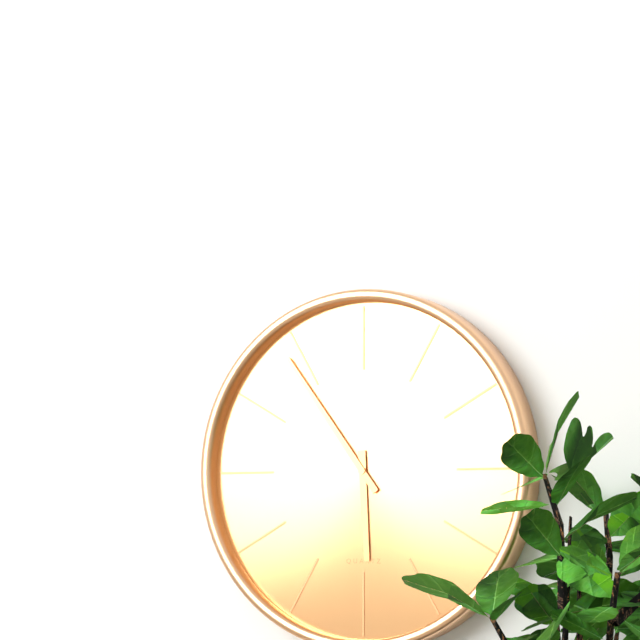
**5:54**
